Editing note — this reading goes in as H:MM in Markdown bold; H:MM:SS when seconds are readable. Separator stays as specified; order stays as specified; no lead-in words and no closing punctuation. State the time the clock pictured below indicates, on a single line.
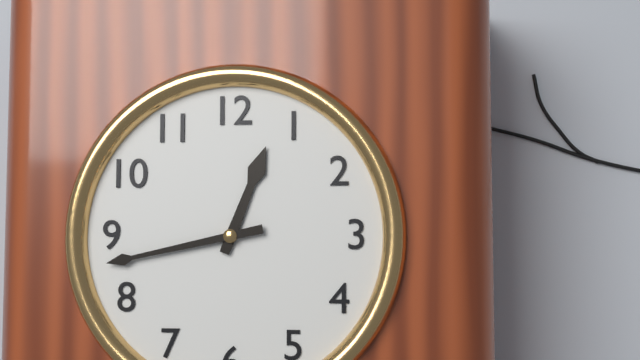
**12:43**
